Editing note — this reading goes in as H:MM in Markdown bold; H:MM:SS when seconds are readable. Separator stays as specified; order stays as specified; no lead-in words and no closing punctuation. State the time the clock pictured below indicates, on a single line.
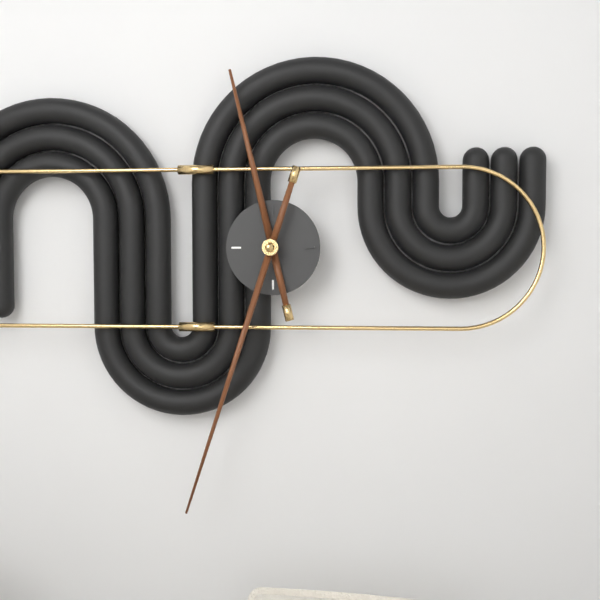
**11:33**
